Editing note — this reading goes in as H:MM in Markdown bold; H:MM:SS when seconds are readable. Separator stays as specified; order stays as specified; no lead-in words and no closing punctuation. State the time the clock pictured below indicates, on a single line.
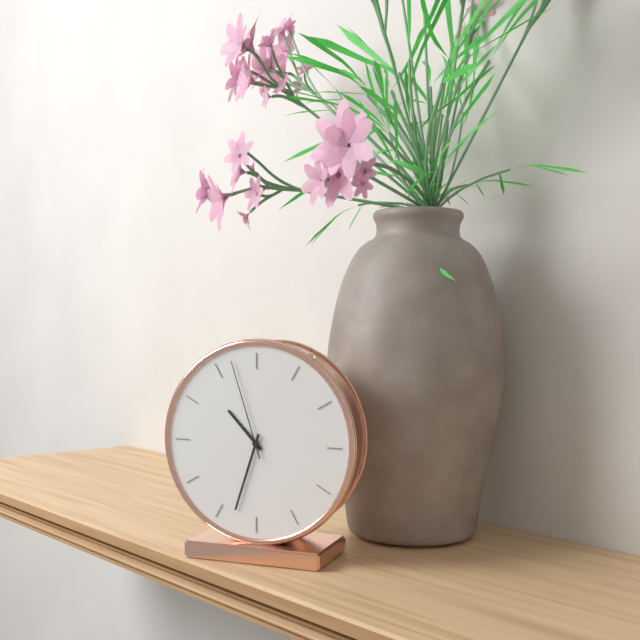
**10:33:57**
